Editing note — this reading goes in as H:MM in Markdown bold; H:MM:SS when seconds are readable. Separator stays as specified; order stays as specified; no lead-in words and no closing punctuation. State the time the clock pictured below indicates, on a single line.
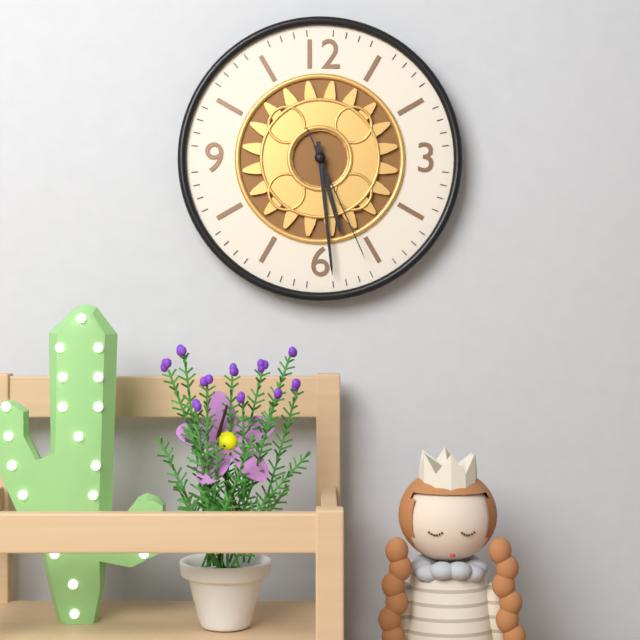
**5:29:26**
